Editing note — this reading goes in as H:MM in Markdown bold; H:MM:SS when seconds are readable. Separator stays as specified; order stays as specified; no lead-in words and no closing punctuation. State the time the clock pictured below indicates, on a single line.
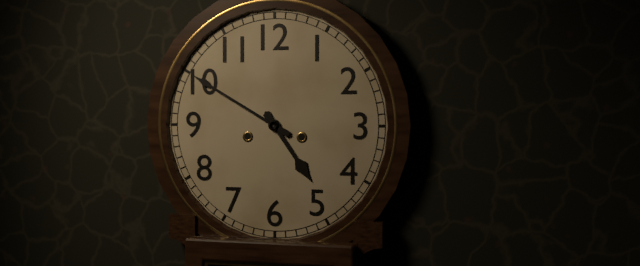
**4:50**
